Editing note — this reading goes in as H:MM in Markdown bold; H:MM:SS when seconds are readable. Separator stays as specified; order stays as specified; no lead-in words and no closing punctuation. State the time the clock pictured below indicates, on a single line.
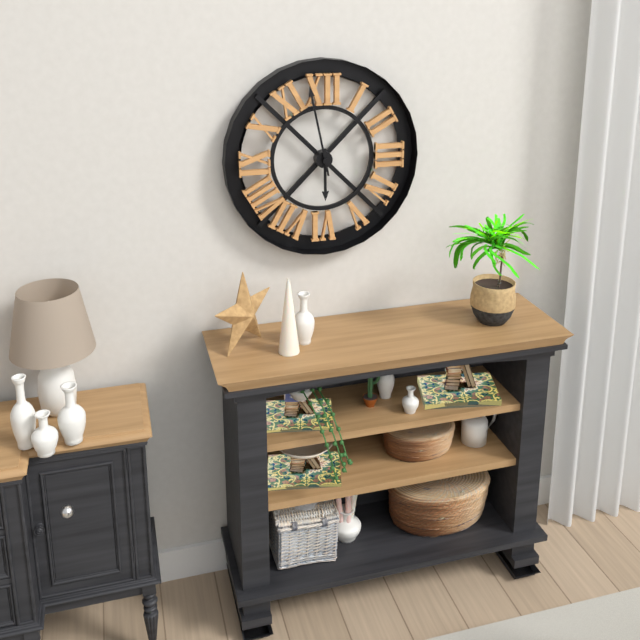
**5:58**
